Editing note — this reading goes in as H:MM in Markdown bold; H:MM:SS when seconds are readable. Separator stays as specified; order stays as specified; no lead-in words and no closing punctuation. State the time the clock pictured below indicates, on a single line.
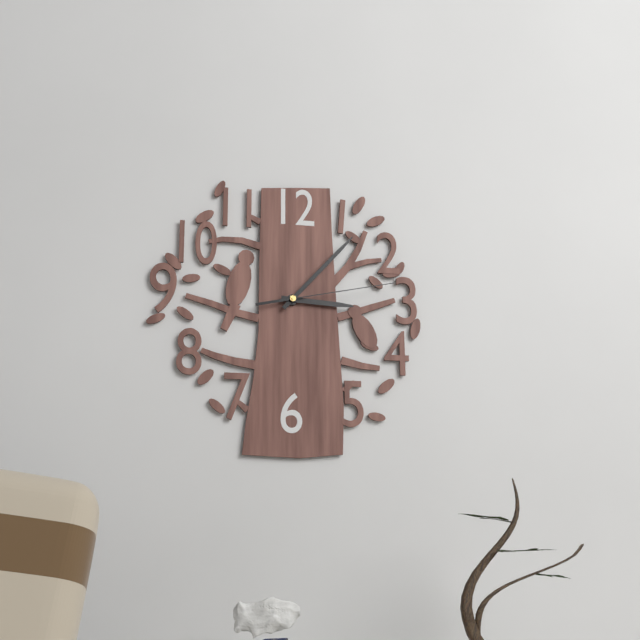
**3:07:13**
